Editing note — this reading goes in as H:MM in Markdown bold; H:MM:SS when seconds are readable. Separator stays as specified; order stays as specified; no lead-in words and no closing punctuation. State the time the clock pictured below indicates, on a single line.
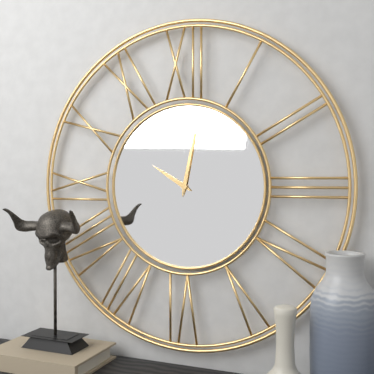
**10:02**
